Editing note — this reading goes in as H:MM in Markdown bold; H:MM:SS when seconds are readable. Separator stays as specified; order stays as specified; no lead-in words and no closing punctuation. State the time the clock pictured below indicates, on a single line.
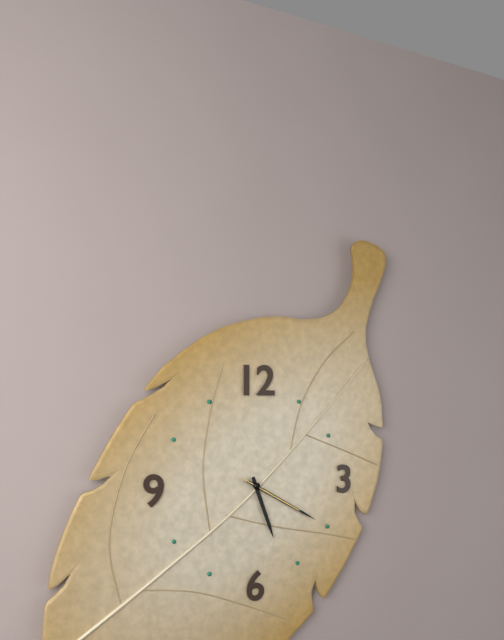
**5:20:20**
